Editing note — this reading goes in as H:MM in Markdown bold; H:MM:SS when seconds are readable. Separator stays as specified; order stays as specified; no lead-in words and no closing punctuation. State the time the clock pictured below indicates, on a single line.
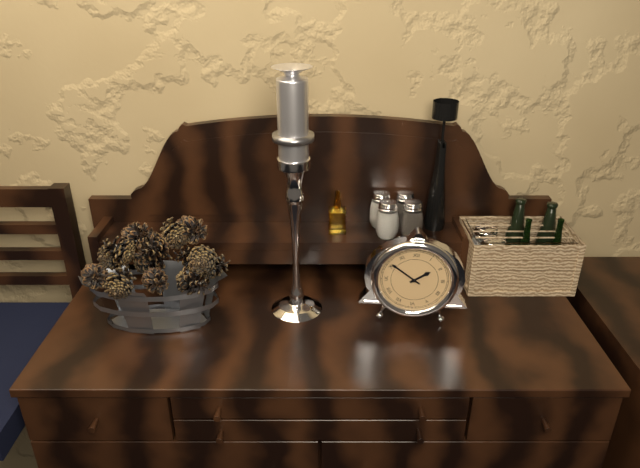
**1:51**
